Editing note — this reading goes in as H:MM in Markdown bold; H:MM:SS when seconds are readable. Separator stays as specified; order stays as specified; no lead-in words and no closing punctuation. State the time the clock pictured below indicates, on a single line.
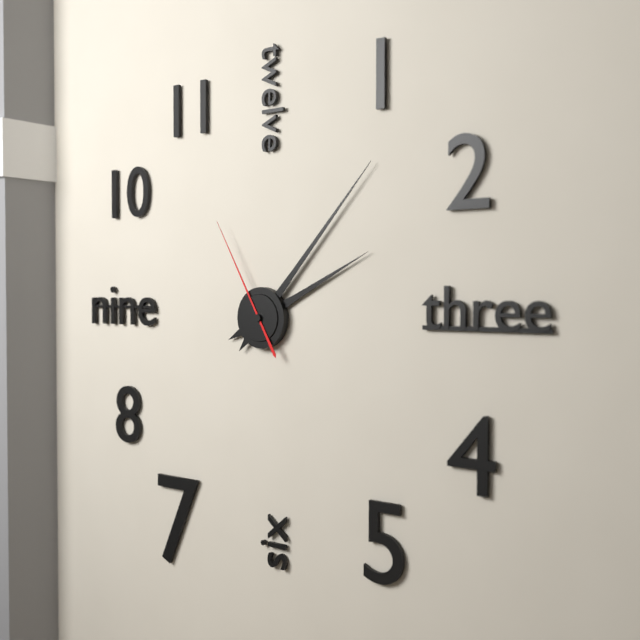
**2:07:55**
